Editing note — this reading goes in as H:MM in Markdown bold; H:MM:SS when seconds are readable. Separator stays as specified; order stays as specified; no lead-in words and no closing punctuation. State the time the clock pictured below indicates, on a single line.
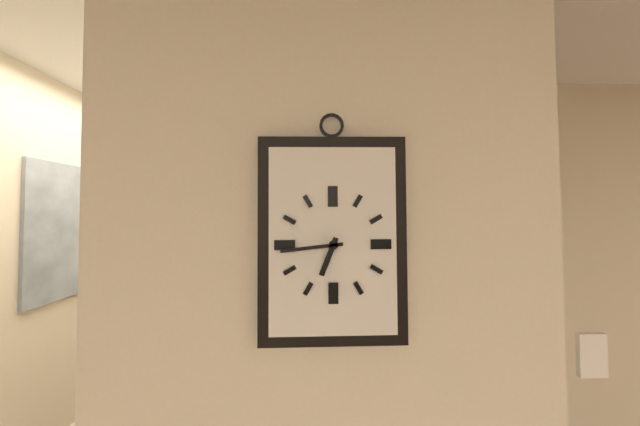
**6:44**
